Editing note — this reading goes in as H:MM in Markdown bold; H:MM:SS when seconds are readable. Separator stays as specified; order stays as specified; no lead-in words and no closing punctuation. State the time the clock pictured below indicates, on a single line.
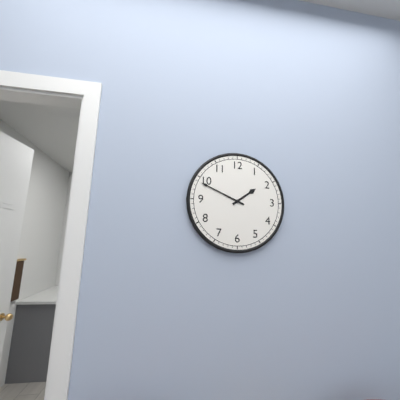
**1:49**
